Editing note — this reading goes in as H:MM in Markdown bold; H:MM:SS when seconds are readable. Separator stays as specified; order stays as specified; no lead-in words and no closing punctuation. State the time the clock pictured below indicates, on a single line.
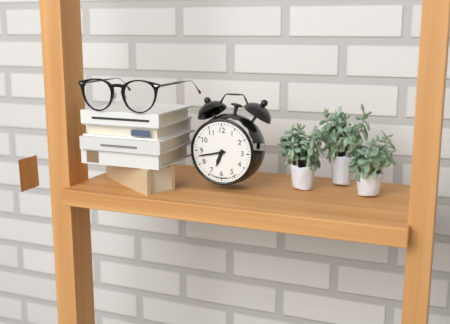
**6:43**
